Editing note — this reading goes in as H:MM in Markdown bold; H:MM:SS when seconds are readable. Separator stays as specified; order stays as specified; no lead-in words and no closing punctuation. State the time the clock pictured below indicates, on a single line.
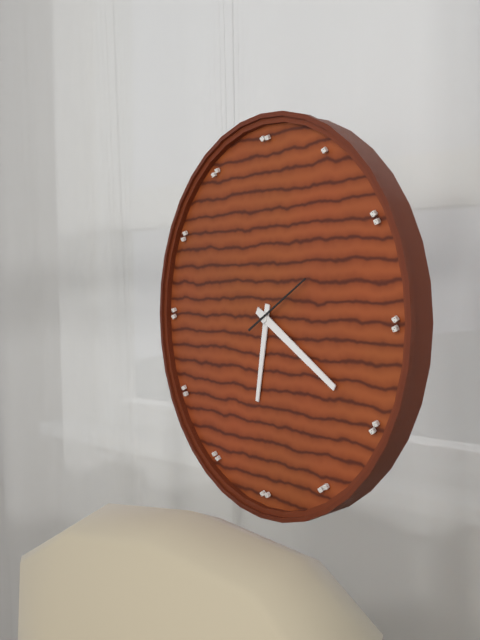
**6:20:10**
